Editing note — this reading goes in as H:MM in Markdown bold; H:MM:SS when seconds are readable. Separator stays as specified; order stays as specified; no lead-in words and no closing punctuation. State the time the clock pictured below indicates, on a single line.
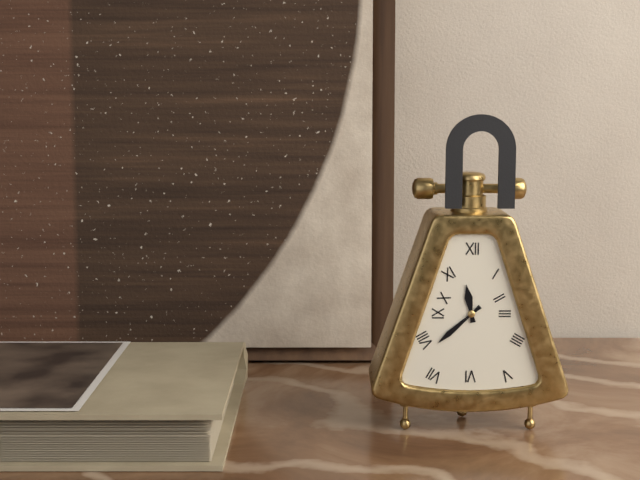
**11:38**
